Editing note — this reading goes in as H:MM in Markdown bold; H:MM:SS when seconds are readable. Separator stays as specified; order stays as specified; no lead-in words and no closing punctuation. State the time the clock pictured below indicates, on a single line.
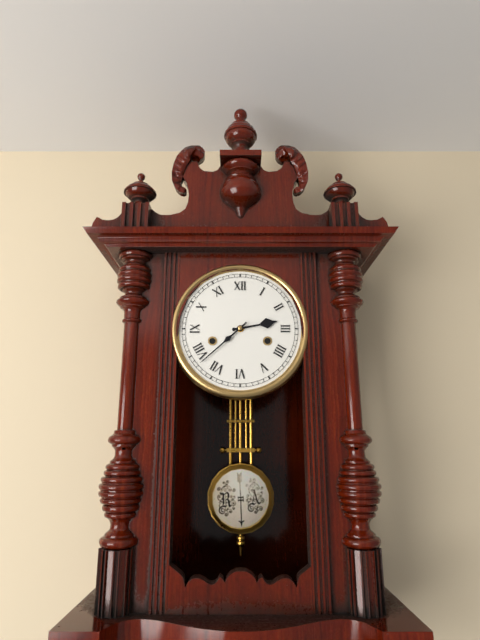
**2:38**
